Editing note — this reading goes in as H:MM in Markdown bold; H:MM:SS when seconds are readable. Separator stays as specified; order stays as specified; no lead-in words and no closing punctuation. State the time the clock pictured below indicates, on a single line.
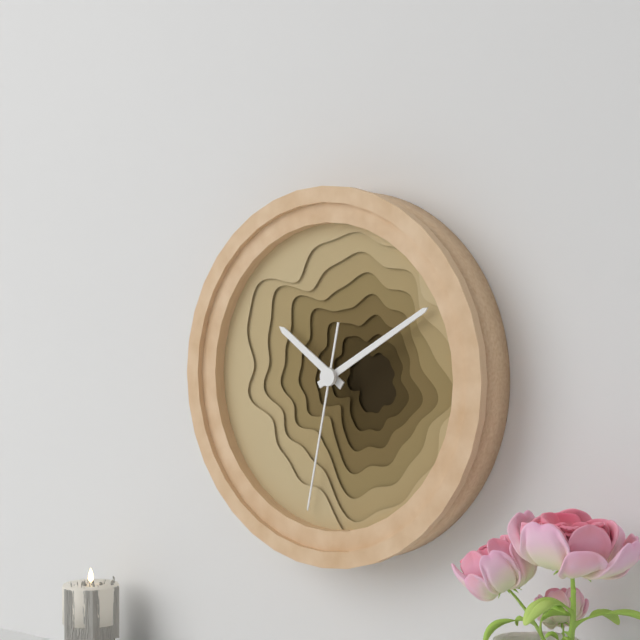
**10:10:32**
